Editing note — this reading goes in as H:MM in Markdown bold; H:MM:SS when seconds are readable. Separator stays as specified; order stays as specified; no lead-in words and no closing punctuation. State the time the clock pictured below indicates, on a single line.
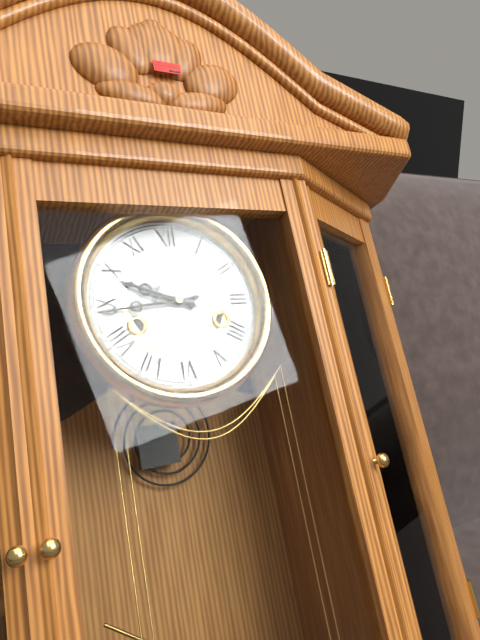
**9:44**
